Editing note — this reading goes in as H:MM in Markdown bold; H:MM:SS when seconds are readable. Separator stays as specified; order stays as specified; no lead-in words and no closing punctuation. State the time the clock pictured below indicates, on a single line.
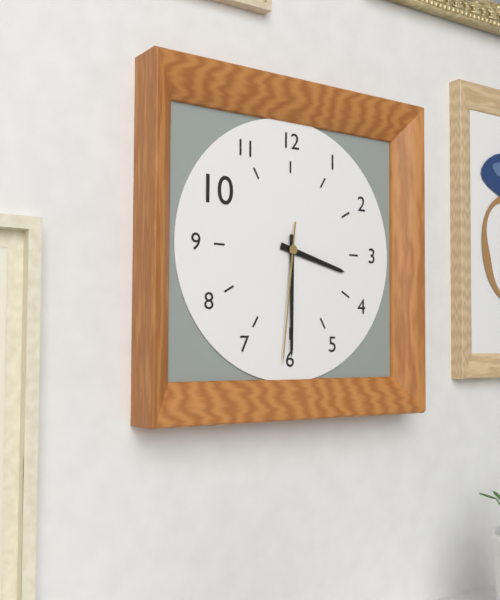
**3:30:31**
